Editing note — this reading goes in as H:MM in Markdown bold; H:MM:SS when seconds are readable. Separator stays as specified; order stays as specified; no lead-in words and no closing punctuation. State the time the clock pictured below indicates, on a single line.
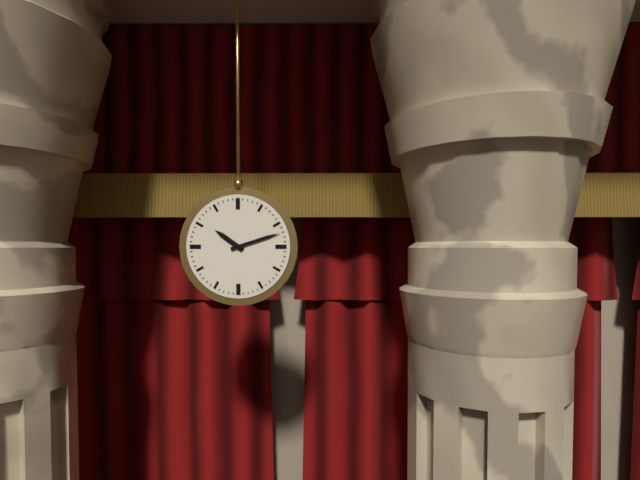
**10:12**
